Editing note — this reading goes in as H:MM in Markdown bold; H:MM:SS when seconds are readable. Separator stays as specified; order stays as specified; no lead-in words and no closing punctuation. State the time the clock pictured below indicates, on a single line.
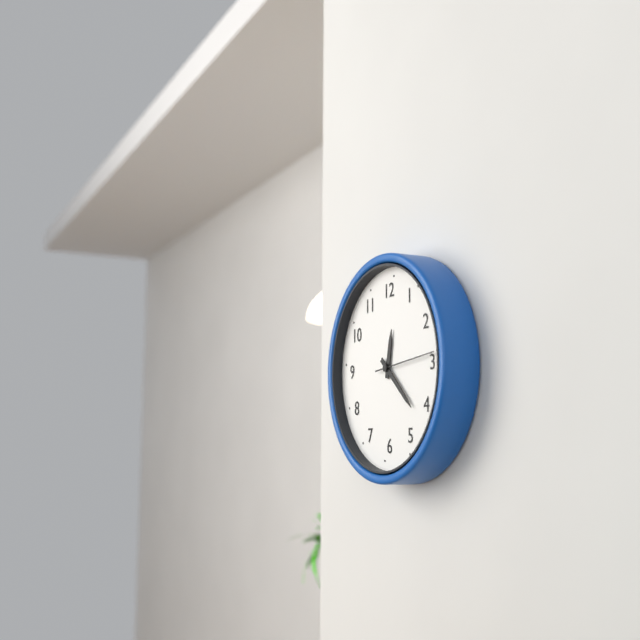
**12:22:14**
